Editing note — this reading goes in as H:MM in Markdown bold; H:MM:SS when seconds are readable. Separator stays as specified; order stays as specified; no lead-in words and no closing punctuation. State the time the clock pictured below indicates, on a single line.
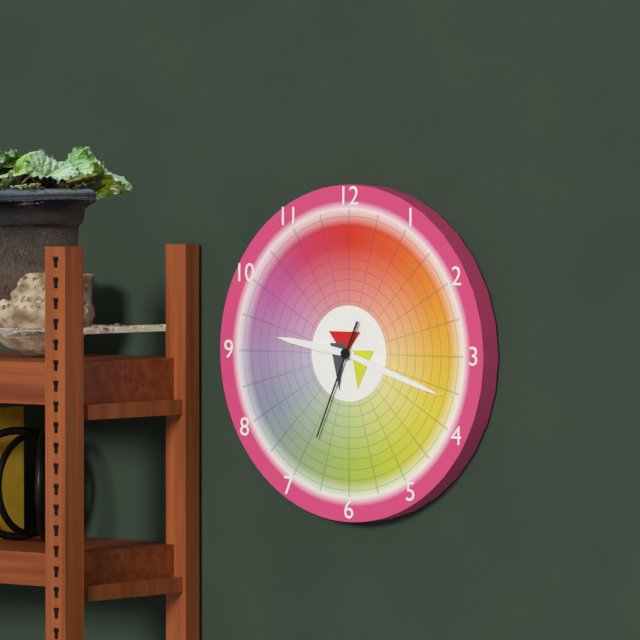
**9:18:34**
